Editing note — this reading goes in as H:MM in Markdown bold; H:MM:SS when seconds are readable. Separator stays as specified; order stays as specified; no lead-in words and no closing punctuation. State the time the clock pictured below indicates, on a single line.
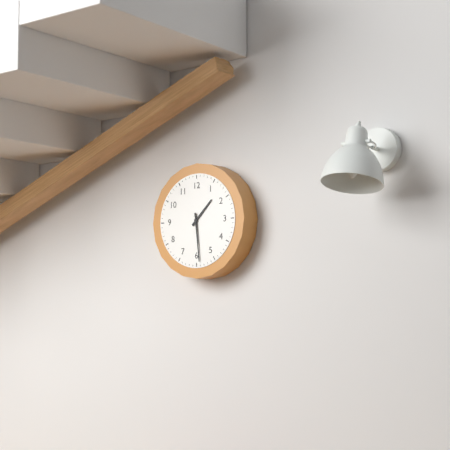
**1:29**
